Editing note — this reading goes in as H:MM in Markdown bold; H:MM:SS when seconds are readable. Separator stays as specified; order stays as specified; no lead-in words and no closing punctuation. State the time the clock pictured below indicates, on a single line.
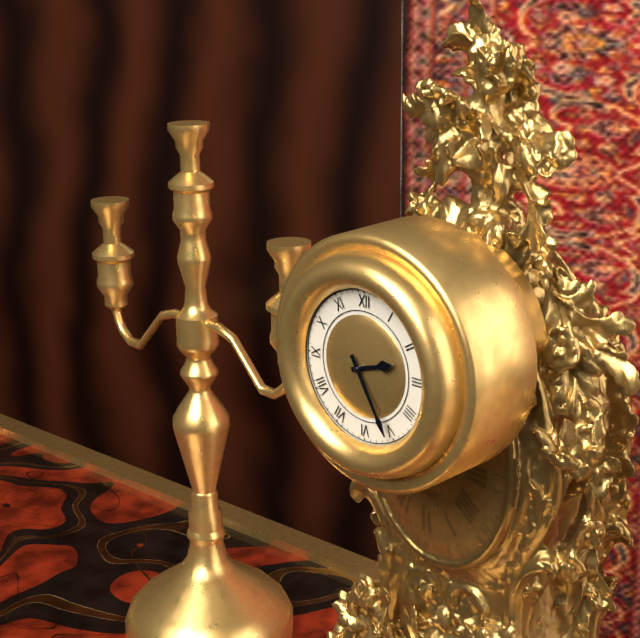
**2:25**
